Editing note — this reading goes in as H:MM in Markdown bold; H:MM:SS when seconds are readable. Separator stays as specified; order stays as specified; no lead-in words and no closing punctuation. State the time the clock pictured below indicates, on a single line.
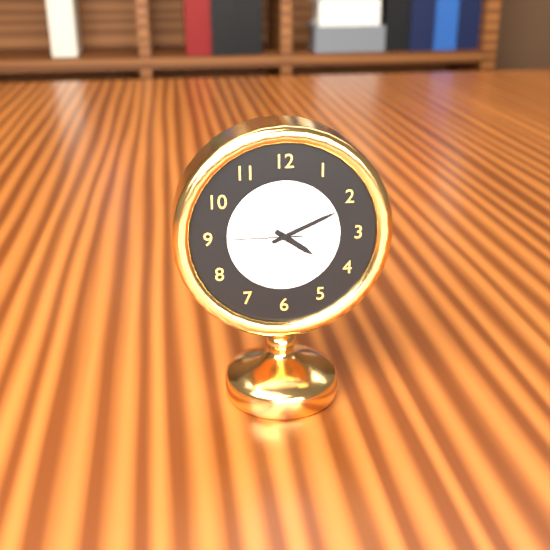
**4:11:45**
